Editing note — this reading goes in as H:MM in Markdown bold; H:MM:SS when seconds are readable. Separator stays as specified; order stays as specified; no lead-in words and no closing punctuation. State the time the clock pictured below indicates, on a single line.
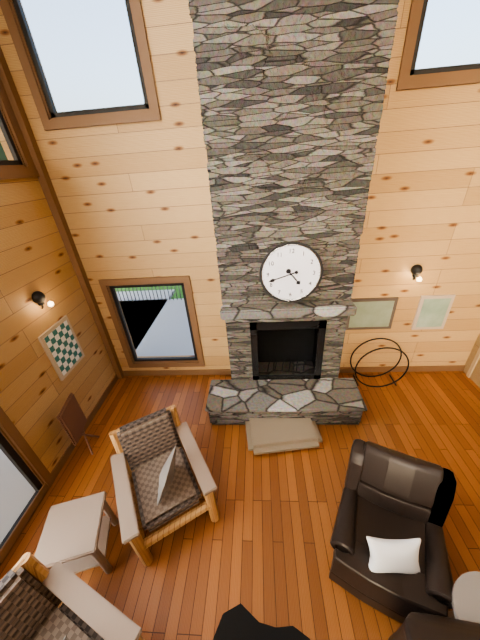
**4:42**
